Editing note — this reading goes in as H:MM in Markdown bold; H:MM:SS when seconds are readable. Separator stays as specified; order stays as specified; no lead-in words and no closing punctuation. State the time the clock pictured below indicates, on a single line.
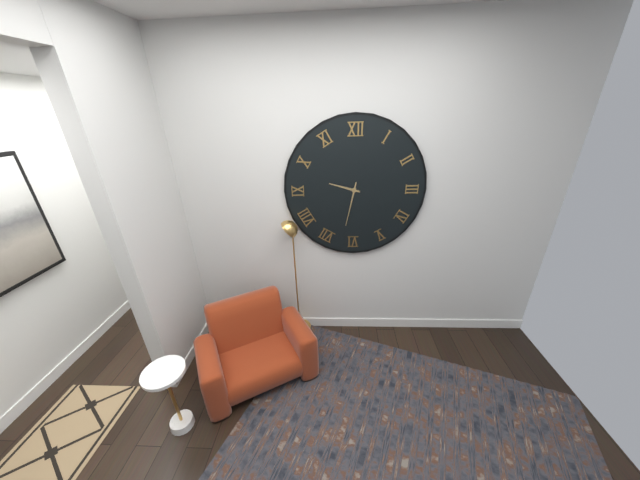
**9:32**
